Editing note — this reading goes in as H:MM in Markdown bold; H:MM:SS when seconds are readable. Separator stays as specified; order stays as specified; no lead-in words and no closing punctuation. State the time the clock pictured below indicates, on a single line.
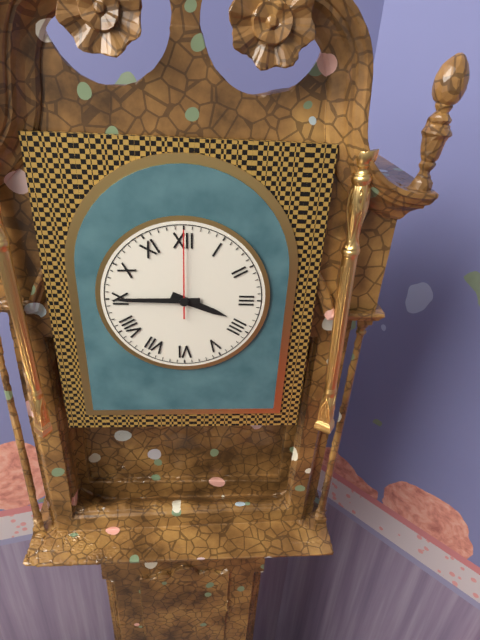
**3:45:00**
